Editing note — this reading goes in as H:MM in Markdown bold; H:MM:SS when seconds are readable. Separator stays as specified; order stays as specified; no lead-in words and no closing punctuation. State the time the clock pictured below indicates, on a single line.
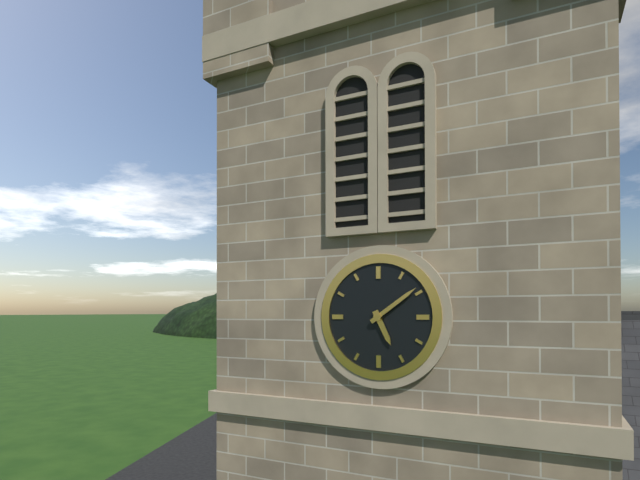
**5:09**
